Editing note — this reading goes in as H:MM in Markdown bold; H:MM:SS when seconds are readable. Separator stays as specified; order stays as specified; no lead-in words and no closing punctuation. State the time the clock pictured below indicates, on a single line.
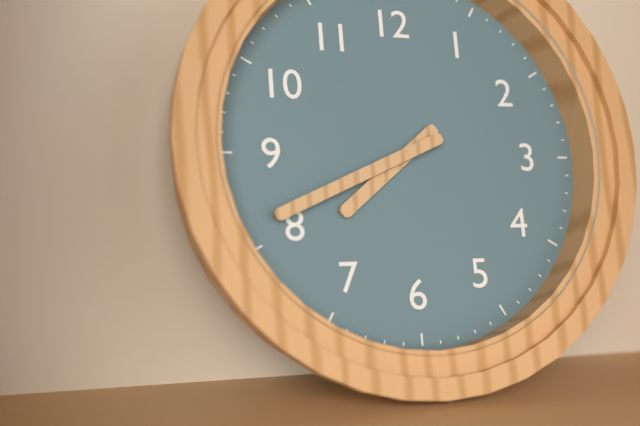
**7:41**
